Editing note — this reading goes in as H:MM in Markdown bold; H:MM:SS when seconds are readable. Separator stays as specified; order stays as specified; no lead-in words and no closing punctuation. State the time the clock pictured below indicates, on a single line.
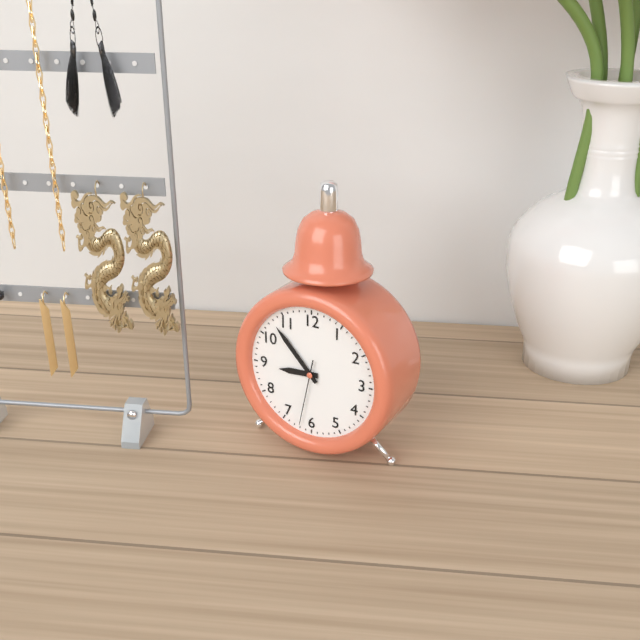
**8:53:32**
